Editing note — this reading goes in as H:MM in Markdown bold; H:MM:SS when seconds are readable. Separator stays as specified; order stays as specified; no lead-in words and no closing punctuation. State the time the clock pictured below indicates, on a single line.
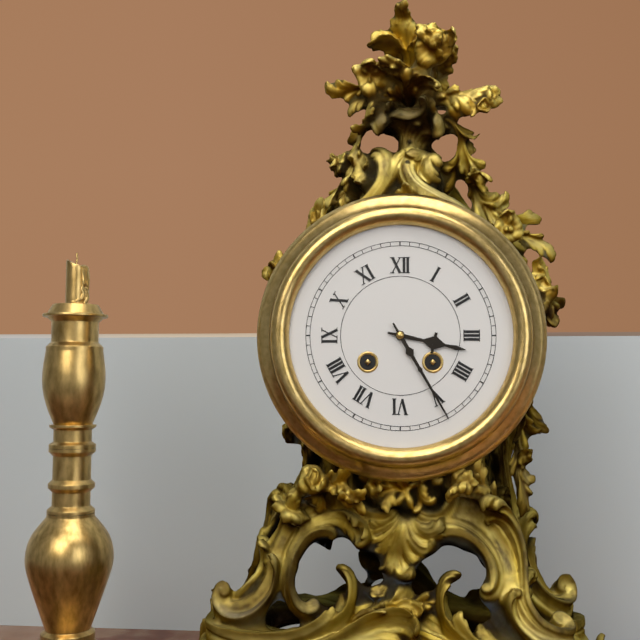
**3:25**
